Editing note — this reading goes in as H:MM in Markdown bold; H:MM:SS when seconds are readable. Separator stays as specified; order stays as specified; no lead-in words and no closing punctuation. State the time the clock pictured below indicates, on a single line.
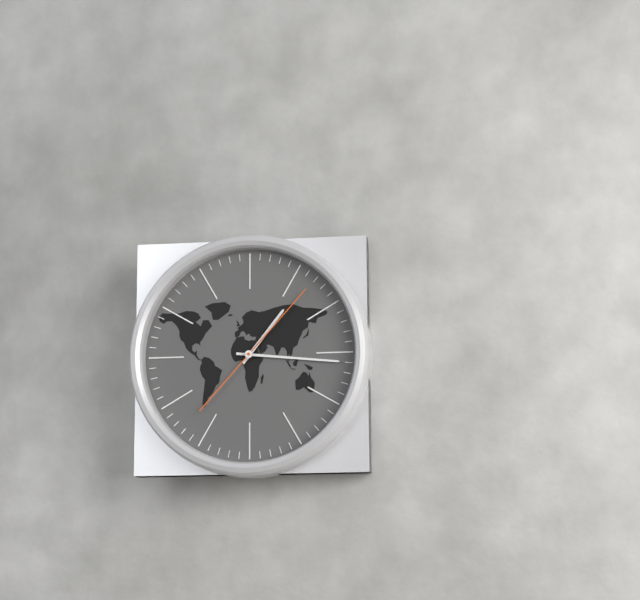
**1:16:07**
